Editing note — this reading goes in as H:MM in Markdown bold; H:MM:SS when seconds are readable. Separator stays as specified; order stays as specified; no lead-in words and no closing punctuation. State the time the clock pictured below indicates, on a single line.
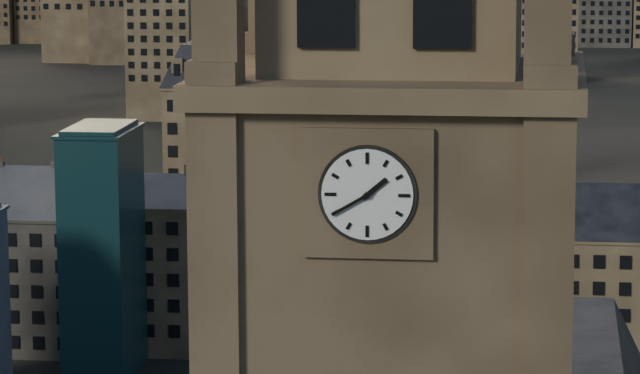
**1:40**
